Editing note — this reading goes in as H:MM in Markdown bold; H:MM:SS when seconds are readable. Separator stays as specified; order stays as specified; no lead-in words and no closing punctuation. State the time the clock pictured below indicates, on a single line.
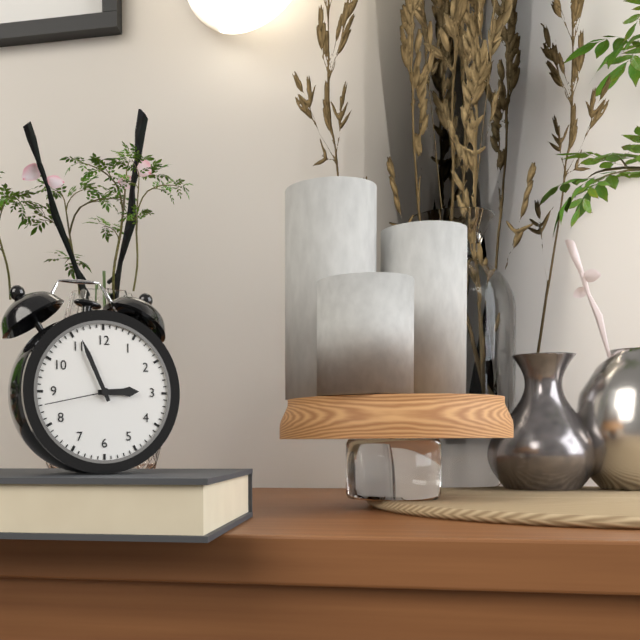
**2:56:43**
